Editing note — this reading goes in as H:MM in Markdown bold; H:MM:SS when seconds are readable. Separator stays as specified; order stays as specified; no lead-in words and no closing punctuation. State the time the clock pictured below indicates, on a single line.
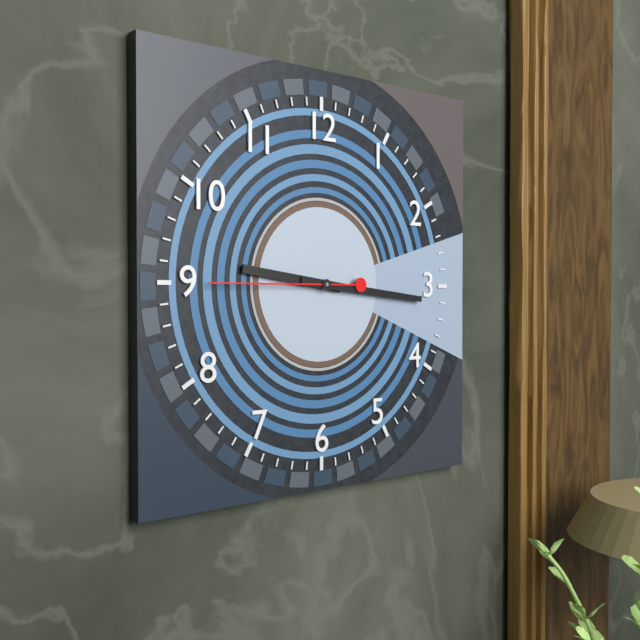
**9:16:45**
